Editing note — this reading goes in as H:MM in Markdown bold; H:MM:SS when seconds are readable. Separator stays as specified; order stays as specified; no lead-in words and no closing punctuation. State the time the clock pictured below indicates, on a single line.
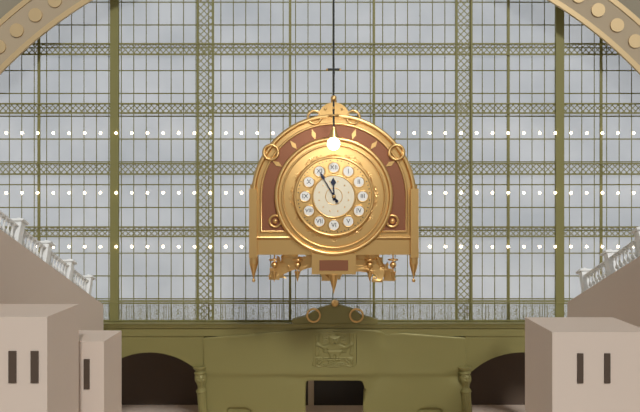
**11:55**
